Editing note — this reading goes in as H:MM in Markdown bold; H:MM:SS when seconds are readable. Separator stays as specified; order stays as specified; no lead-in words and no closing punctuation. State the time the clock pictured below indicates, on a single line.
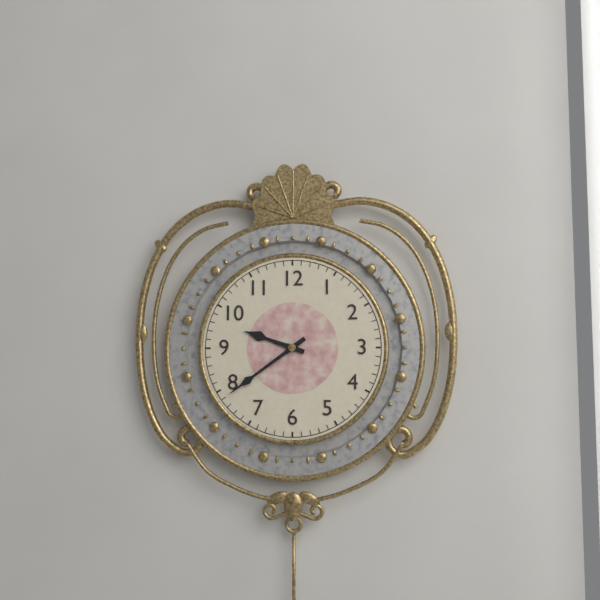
**9:39**
